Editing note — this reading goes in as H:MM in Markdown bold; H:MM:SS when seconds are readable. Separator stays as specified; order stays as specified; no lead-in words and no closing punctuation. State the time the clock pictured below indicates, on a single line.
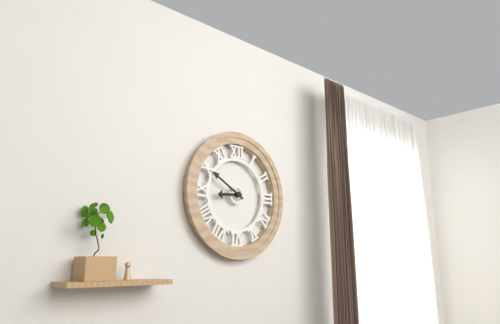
**8:50**
